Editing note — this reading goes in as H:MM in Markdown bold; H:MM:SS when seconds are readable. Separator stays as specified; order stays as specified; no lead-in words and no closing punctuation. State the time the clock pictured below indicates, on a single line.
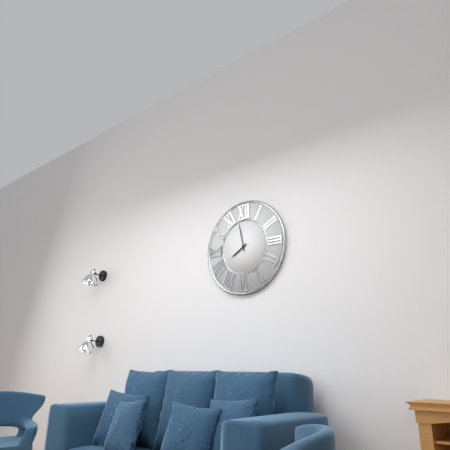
**7:58**
